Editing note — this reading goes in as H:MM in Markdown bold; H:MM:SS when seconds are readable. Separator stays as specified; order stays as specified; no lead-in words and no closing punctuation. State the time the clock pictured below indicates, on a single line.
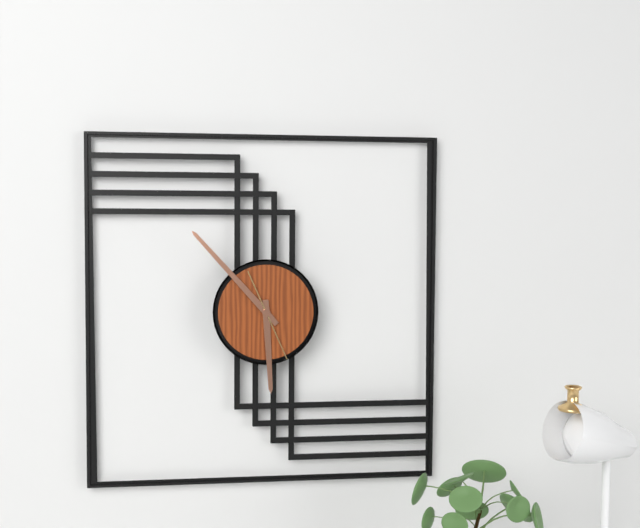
**5:53:26**
